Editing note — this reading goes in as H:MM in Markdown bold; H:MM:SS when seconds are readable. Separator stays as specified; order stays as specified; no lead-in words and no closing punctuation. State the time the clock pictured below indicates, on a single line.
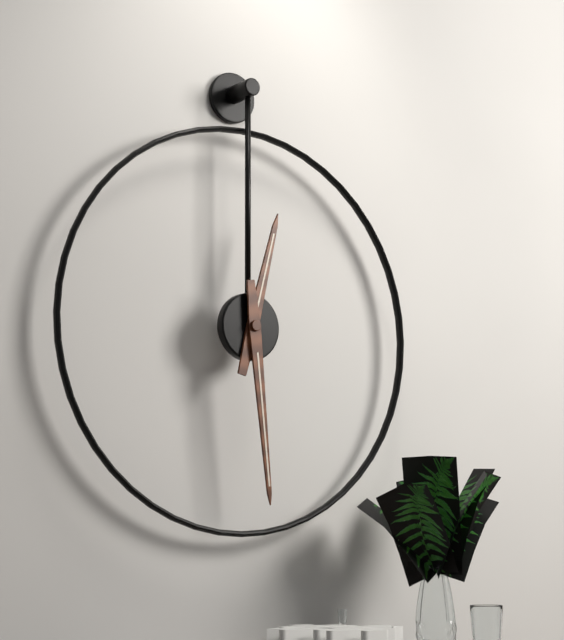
**12:29**
